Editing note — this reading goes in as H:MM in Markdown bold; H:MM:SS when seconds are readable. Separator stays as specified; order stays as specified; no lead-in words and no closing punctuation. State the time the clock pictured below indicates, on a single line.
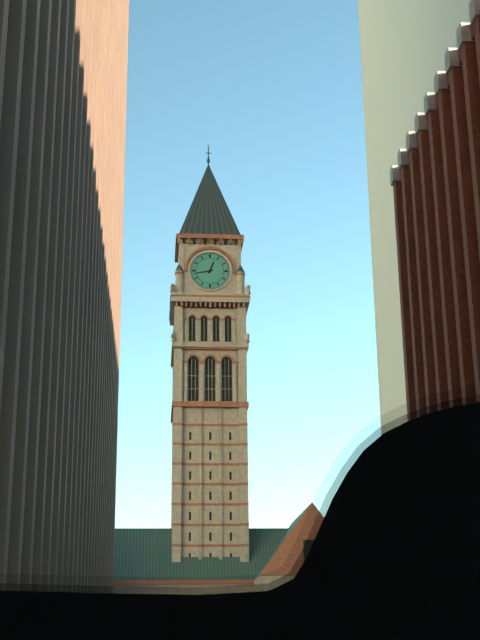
**12:43**
